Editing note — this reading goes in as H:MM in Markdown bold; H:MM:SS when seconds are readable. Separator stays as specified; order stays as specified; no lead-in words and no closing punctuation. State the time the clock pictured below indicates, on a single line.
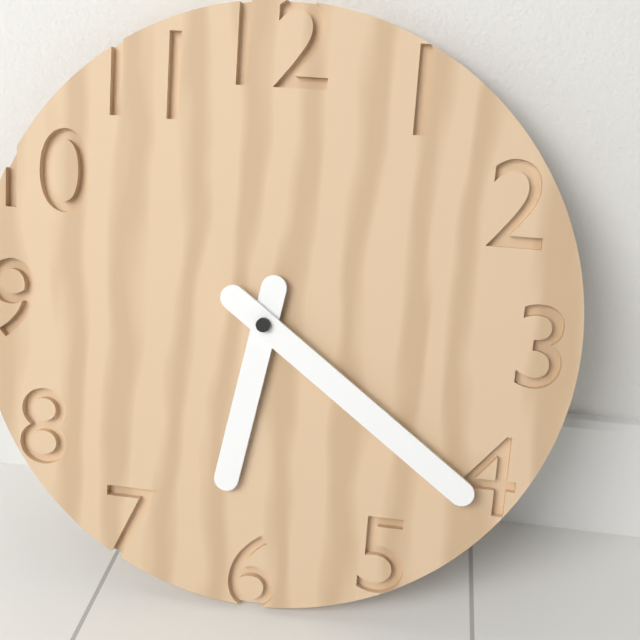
**6:21**
